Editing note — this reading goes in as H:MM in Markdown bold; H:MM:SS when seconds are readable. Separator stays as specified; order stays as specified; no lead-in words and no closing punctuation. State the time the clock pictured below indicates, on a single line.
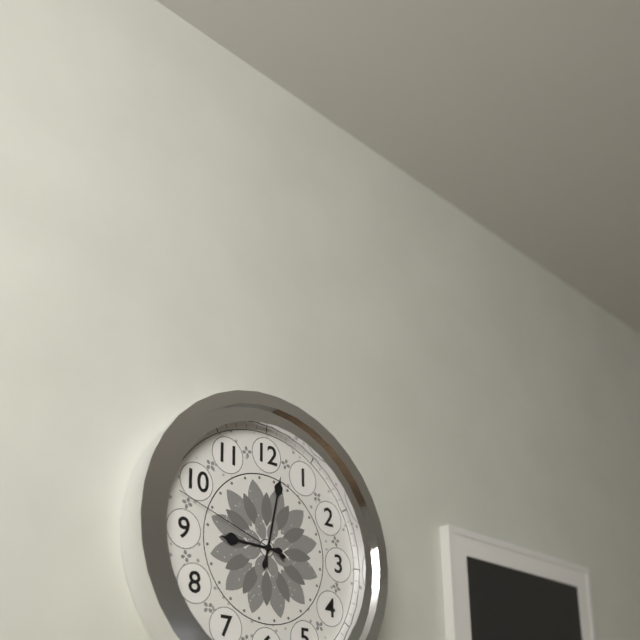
**9:02:48**
